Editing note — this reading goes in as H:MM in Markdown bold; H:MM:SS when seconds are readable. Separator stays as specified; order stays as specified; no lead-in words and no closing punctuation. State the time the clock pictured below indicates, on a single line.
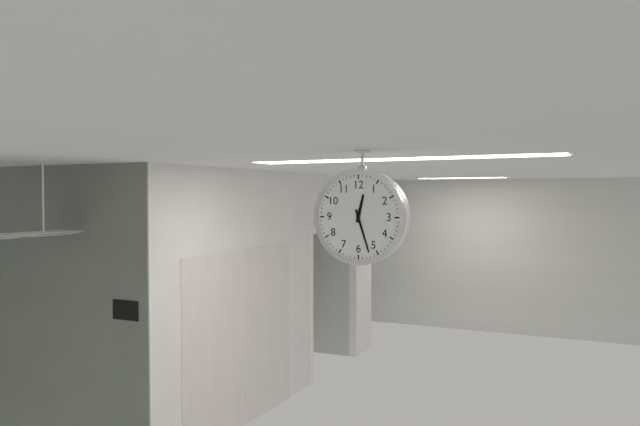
**12:27**
